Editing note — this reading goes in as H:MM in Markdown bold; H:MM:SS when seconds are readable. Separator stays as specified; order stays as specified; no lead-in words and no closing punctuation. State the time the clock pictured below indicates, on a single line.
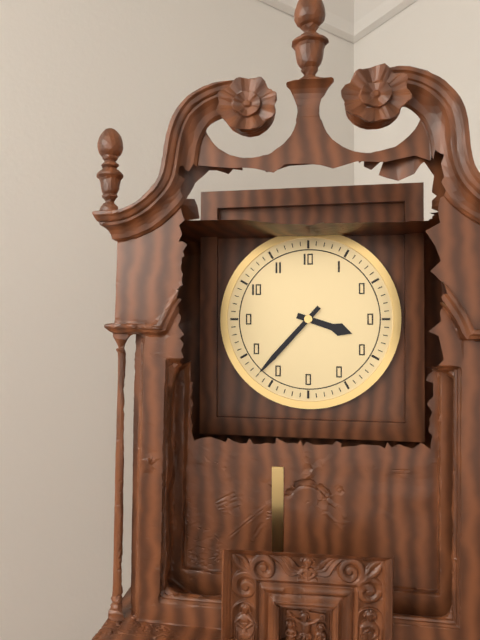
**3:37**
